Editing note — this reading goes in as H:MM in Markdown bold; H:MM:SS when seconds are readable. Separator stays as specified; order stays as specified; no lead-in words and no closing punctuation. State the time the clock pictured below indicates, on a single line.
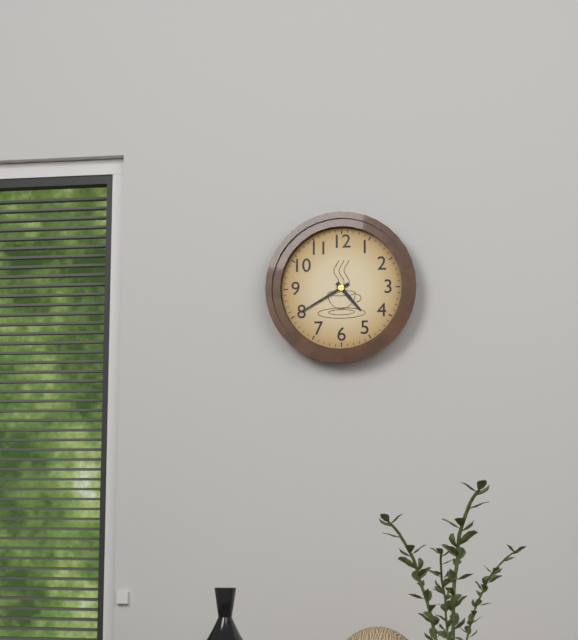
**4:40**
